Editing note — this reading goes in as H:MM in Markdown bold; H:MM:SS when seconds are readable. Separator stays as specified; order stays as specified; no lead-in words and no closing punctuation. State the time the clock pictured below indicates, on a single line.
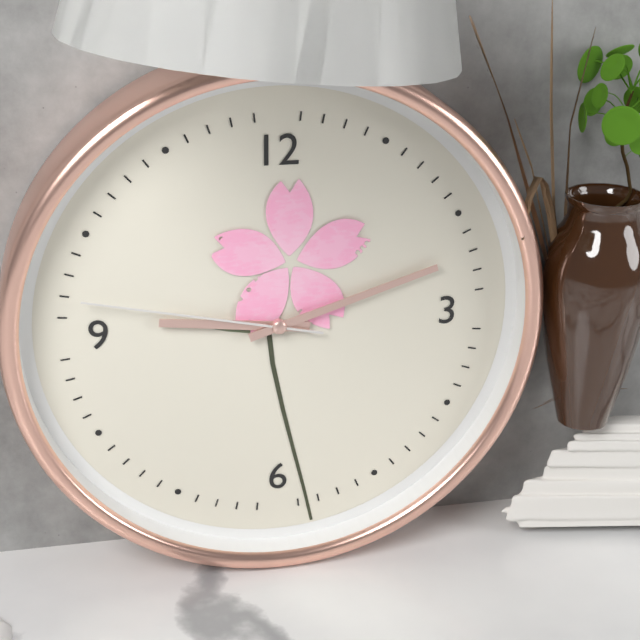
**9:12:47**
